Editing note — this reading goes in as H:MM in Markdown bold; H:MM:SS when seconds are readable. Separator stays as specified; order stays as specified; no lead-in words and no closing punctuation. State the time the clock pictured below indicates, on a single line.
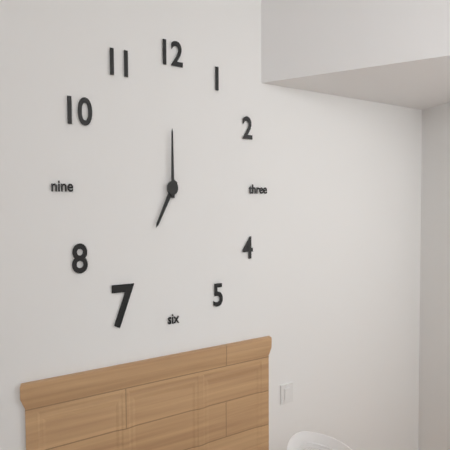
**7:00**
